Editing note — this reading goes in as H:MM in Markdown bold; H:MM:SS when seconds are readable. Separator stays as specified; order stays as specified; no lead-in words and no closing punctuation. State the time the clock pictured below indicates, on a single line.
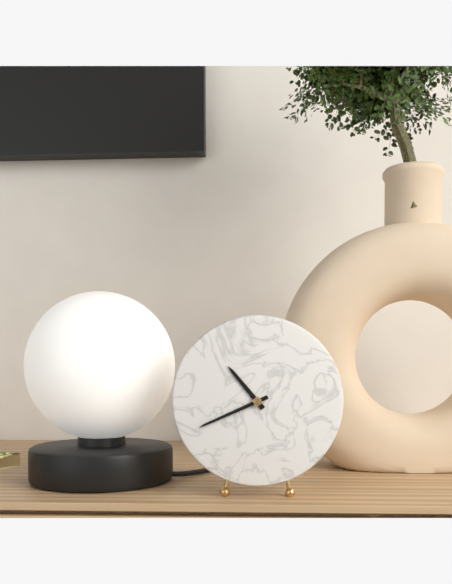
**10:41**
